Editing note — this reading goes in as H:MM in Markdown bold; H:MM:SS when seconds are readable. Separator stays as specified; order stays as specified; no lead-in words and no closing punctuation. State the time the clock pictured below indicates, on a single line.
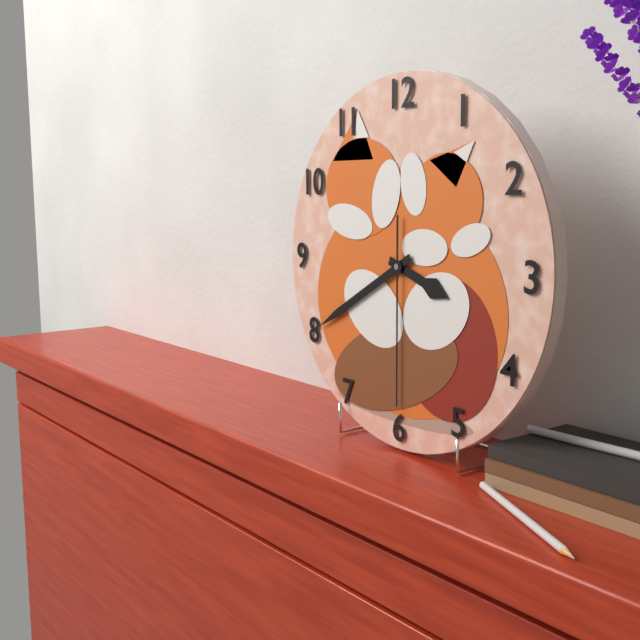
**3:40:30**
